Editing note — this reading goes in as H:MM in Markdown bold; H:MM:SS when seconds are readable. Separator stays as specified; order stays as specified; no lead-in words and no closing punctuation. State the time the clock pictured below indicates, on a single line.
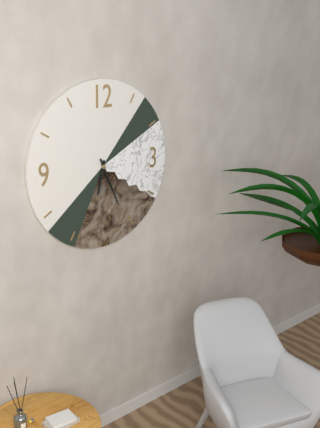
**6:26**
